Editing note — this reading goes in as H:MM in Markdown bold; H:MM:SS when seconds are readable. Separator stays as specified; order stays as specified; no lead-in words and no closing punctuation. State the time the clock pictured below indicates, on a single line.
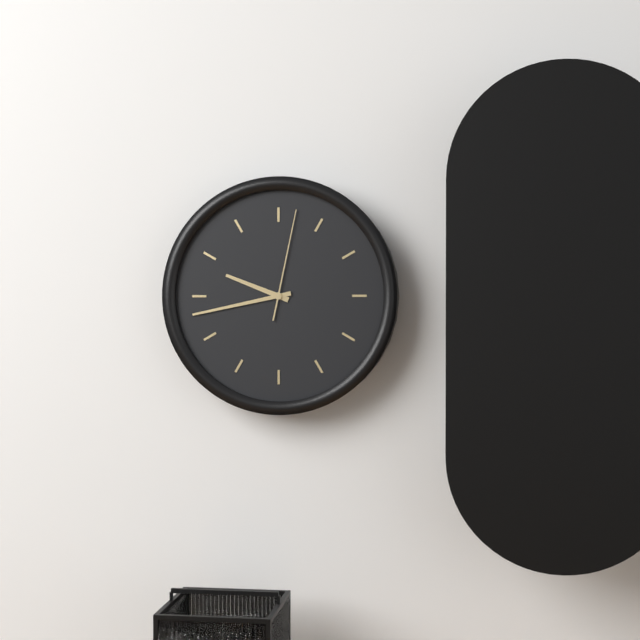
**9:43:02**
